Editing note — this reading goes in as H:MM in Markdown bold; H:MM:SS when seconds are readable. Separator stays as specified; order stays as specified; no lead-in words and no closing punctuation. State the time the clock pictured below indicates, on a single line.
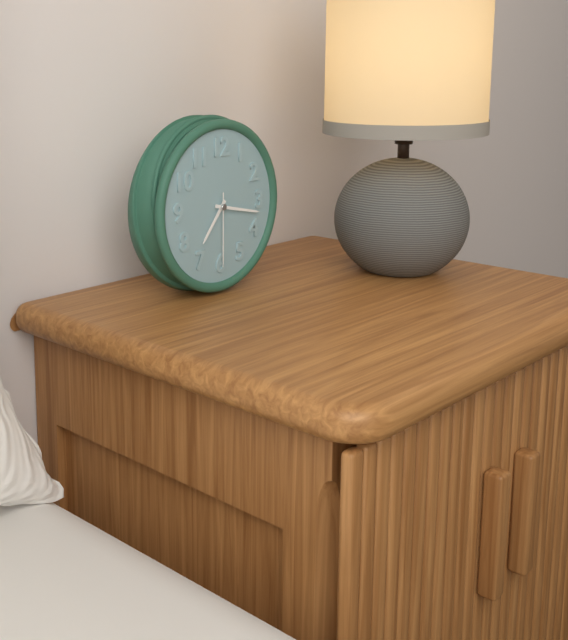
**7:17:30**
